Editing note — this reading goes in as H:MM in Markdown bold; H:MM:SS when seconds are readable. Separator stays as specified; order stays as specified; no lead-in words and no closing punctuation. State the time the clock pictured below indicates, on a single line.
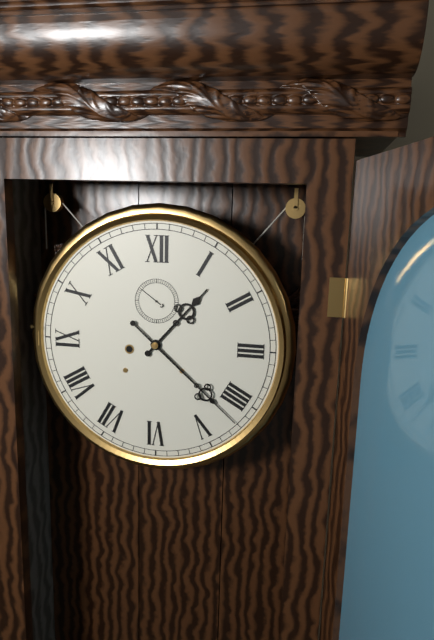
**1:22**
